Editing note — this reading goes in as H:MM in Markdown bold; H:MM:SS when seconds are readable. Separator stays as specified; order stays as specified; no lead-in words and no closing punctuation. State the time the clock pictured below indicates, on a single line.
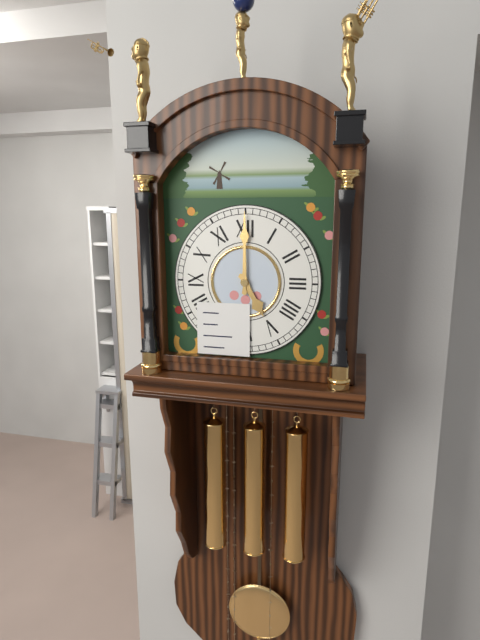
**5:00**
